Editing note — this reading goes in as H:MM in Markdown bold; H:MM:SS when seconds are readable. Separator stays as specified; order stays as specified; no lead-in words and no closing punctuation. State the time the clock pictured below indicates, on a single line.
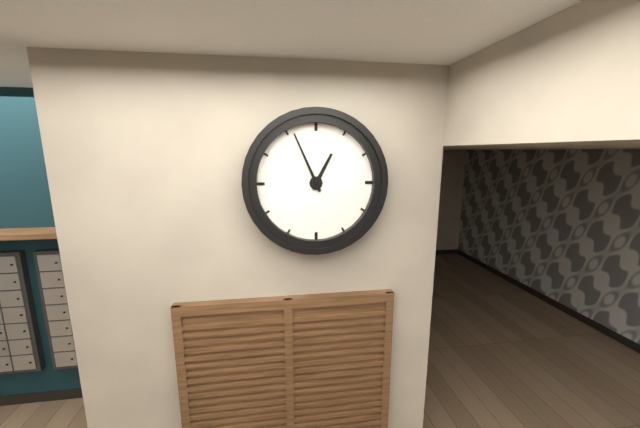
**12:56**
